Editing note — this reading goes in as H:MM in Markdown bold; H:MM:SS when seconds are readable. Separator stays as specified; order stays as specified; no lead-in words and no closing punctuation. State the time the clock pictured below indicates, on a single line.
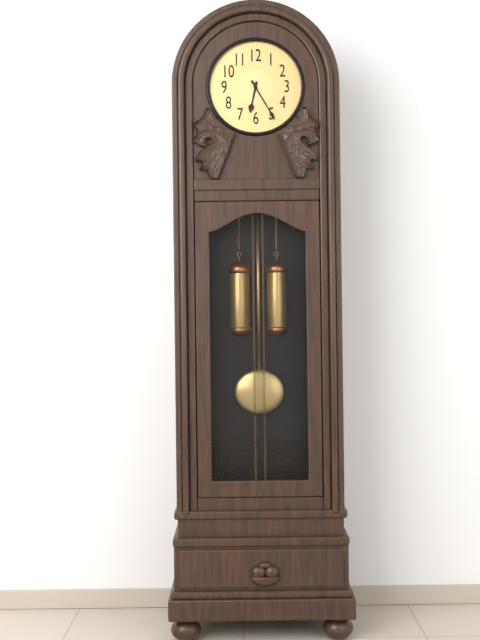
**6:25**
